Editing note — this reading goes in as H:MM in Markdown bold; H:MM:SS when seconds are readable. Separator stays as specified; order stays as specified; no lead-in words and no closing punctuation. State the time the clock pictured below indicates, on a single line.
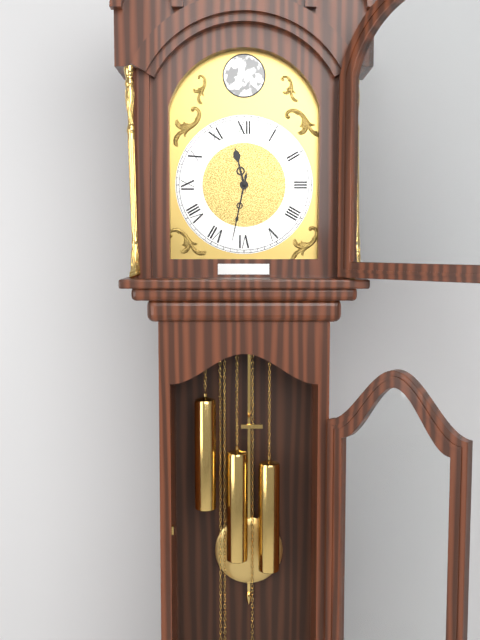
**11:32**
